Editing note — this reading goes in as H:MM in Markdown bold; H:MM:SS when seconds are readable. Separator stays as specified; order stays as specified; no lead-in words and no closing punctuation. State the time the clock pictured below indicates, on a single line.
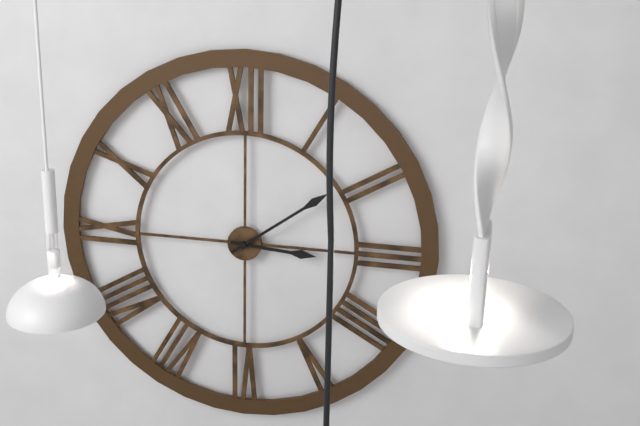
**3:09**
